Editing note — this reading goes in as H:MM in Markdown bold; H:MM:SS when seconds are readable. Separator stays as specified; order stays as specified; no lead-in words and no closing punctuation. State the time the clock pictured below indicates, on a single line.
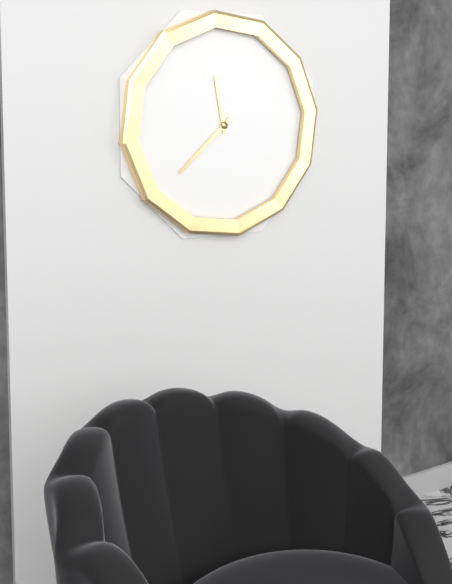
**11:38**
